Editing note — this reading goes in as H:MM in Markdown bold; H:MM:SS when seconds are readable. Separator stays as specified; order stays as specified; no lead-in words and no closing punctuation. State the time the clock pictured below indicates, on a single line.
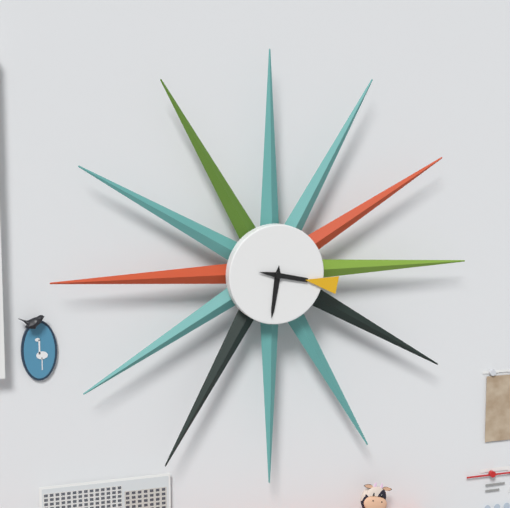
**6:17**
